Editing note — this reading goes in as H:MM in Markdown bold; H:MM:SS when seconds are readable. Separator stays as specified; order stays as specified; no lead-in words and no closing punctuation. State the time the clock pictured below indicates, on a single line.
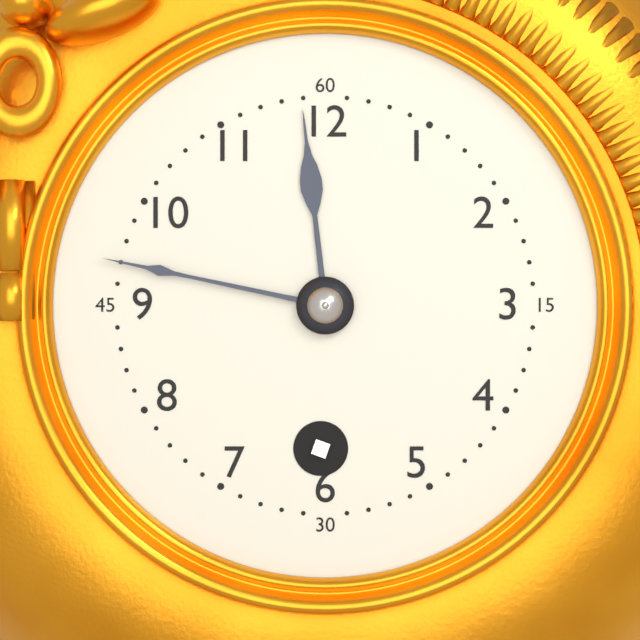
**11:47**
